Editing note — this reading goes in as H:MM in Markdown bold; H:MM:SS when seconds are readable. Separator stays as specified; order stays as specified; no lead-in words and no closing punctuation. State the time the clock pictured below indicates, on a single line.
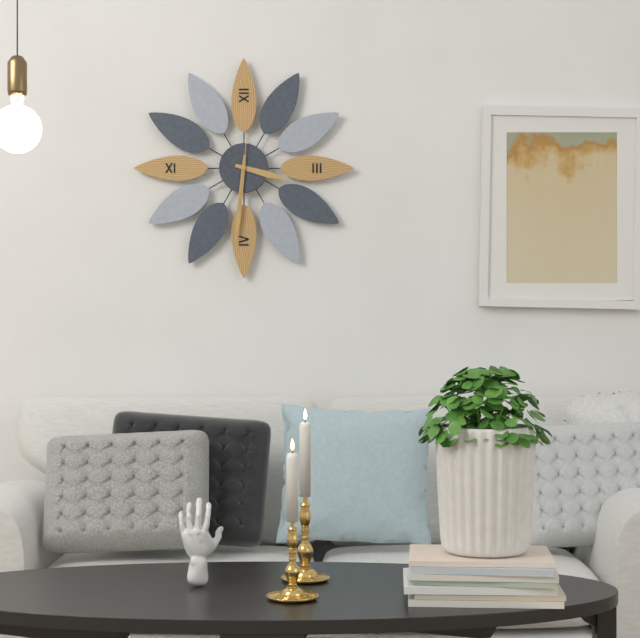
**3:31:31**
